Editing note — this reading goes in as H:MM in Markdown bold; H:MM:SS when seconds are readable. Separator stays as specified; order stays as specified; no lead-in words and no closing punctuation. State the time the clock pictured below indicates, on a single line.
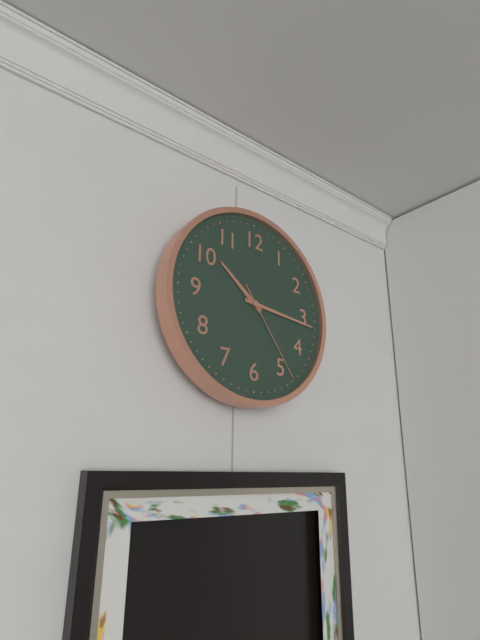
**10:16:24**
